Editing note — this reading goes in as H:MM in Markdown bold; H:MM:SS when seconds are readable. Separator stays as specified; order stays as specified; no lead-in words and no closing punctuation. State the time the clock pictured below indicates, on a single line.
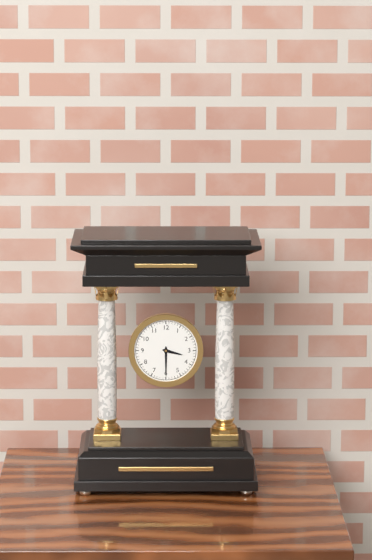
**3:30**
